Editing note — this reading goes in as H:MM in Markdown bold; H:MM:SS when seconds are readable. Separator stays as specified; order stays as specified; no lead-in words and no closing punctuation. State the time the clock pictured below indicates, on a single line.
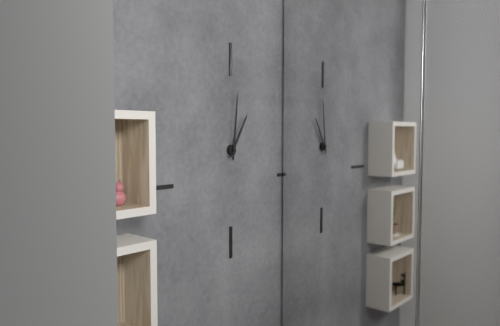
**1:01**
